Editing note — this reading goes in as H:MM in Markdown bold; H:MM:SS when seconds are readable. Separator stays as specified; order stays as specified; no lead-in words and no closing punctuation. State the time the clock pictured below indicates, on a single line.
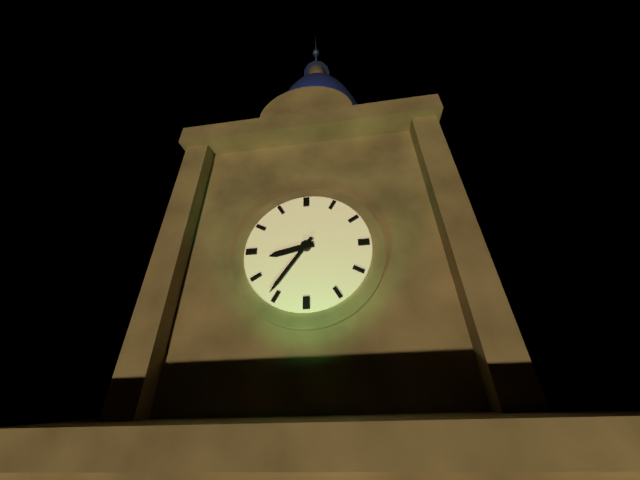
**8:36**
